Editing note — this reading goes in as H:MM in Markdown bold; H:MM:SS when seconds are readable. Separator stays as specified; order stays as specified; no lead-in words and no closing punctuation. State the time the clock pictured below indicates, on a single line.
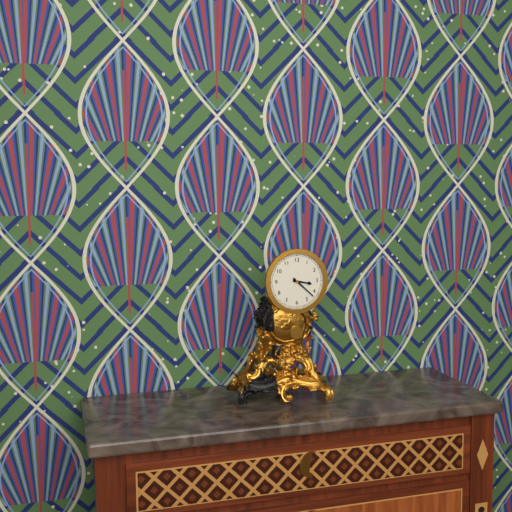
**3:22**
